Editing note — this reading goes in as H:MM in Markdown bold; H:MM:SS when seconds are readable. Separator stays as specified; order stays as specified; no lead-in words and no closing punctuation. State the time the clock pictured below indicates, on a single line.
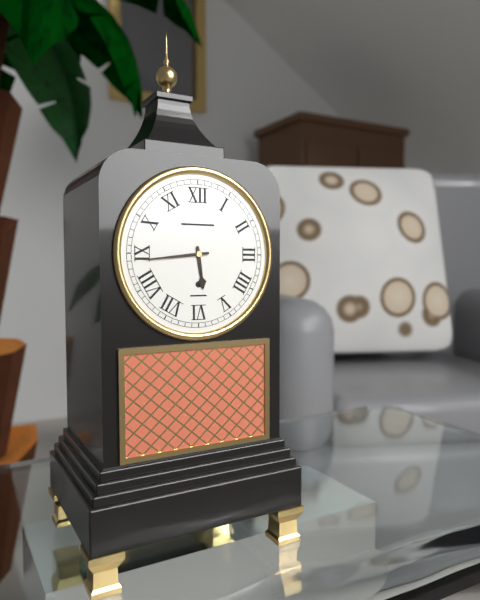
**5:44**
